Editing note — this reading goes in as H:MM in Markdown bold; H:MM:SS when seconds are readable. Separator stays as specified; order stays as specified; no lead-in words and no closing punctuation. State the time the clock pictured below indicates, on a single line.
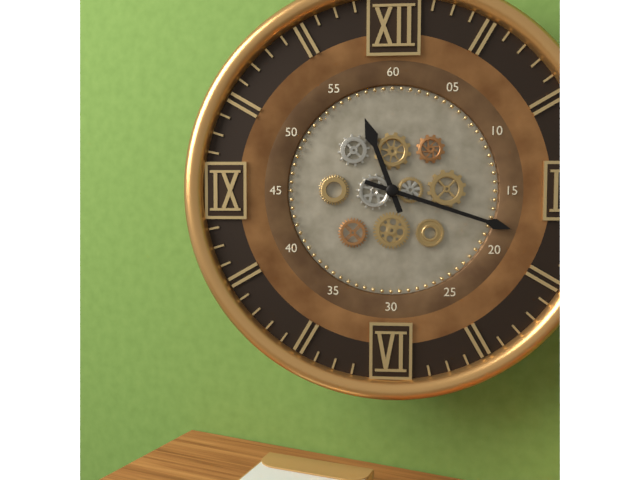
**11:18**
